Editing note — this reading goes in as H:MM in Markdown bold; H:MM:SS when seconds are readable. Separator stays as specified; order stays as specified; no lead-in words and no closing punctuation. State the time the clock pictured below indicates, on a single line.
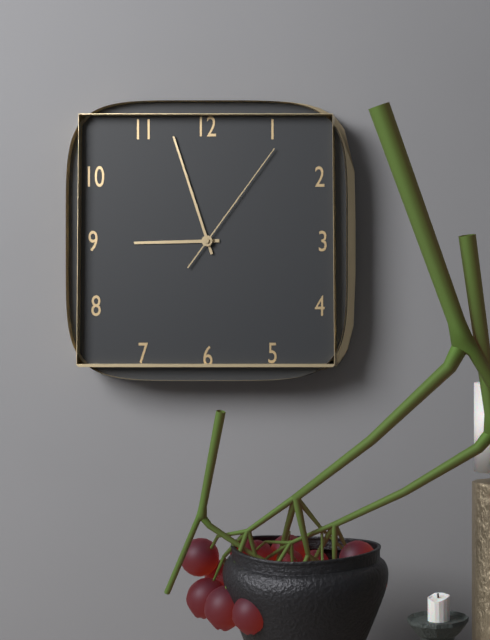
**8:57:06**
